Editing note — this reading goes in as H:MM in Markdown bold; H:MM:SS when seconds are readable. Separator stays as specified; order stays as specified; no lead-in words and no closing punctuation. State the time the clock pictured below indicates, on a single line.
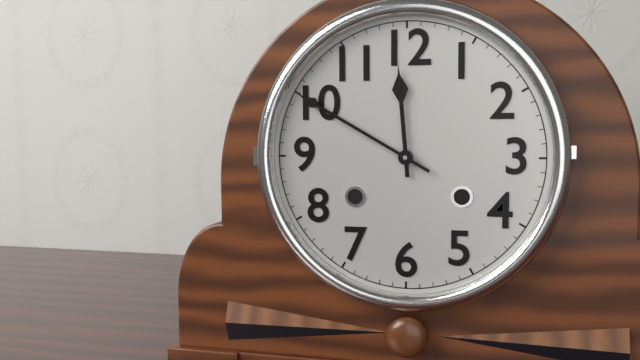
**11:50**
